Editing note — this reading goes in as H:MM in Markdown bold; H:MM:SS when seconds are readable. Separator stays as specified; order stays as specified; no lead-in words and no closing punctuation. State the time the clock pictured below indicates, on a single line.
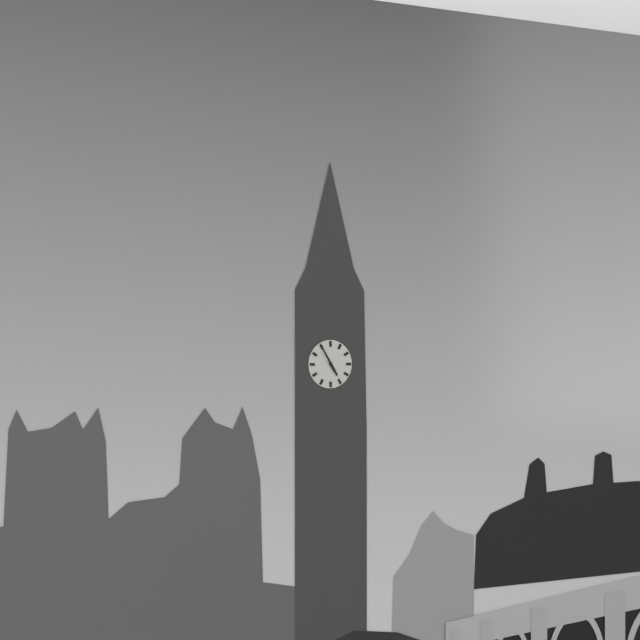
**4:55**
